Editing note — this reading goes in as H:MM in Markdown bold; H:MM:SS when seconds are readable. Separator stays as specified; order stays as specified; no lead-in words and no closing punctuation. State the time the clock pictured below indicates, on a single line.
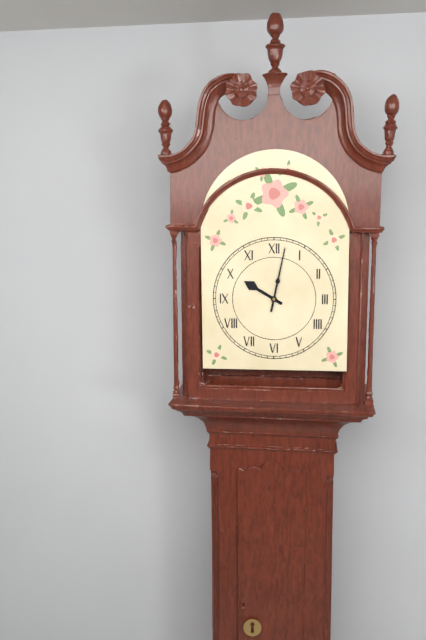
**10:02**
